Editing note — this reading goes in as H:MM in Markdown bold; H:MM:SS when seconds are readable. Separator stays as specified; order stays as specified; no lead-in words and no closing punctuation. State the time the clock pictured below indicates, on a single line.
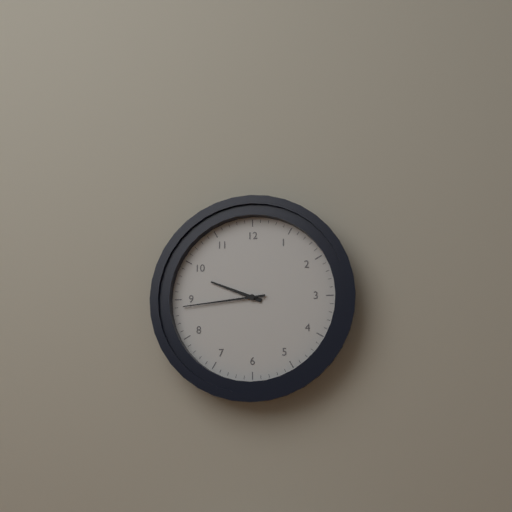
**9:44**
